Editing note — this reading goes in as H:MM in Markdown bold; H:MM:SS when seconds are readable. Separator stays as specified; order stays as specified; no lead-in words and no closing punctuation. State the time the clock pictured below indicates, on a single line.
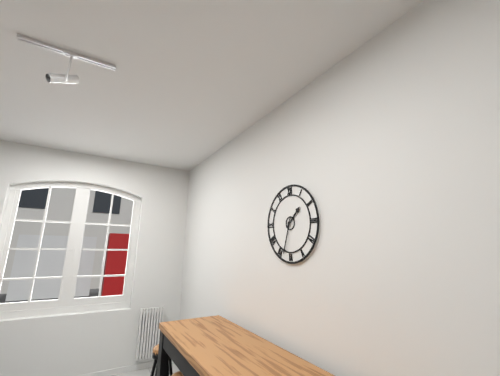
**1:33**
